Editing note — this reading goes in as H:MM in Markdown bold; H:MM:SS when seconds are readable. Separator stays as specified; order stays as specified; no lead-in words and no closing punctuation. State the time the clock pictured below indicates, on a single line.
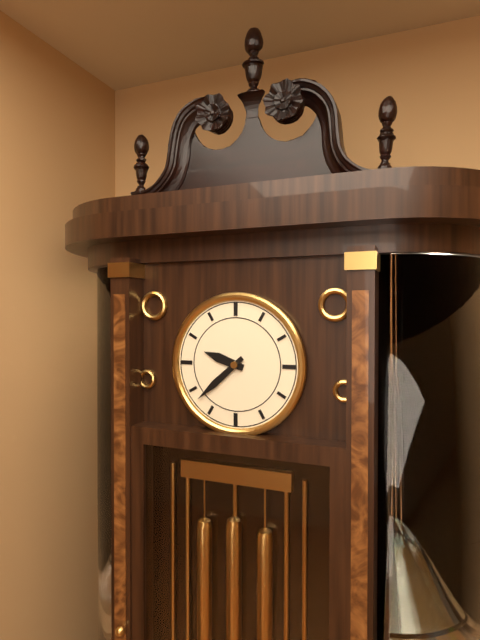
**9:38**
